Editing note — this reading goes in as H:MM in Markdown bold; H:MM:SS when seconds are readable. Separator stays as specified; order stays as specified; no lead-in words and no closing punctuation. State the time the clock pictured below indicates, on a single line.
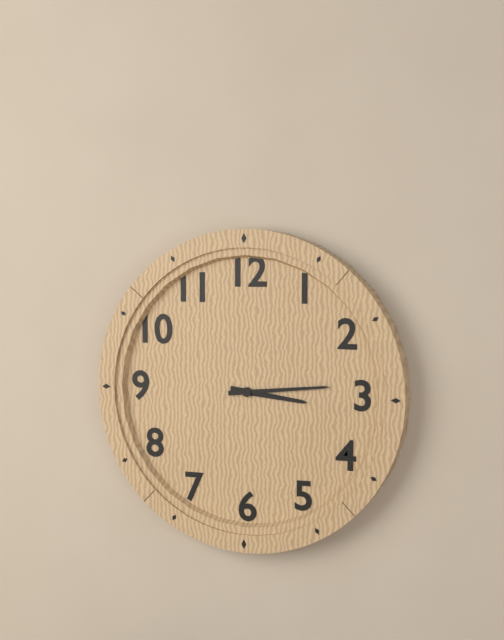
**3:14**
